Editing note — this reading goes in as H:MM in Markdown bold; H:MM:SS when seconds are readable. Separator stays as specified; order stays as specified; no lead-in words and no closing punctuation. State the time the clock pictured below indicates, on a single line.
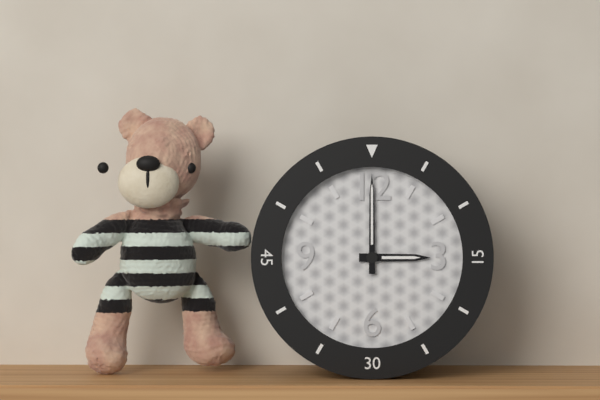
**3:00**
